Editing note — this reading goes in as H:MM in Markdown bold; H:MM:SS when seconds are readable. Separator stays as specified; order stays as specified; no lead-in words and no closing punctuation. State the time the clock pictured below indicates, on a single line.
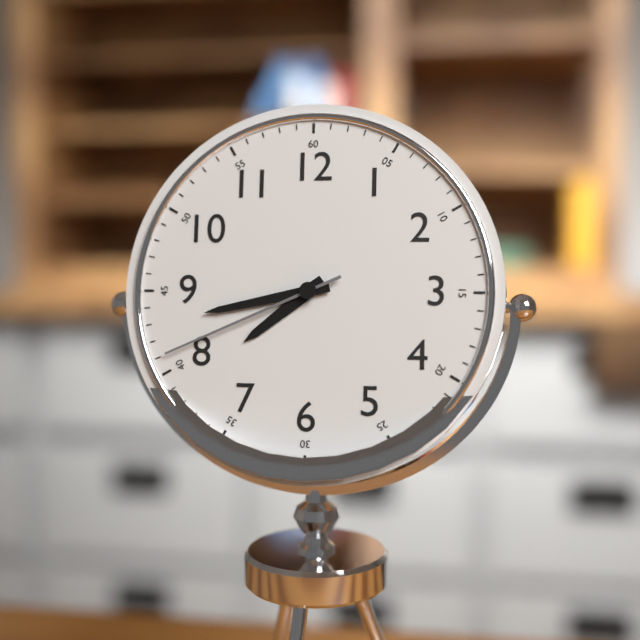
**7:43:41**
